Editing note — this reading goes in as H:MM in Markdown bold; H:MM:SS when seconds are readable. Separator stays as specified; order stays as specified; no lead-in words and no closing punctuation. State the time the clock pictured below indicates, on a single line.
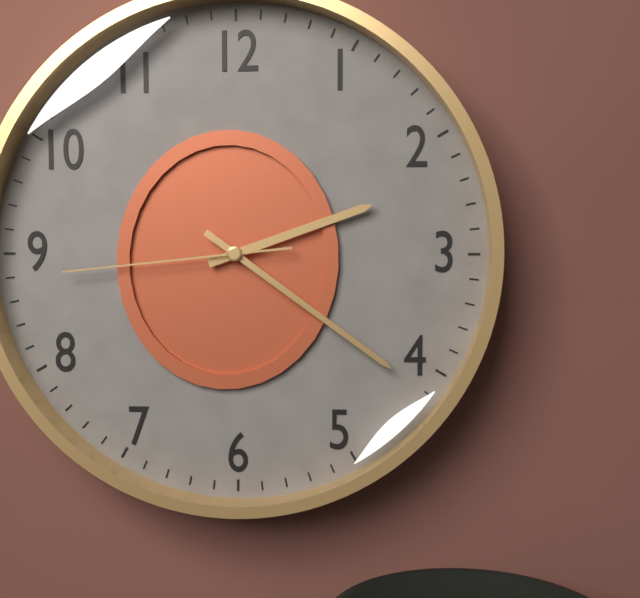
**2:21:44**
